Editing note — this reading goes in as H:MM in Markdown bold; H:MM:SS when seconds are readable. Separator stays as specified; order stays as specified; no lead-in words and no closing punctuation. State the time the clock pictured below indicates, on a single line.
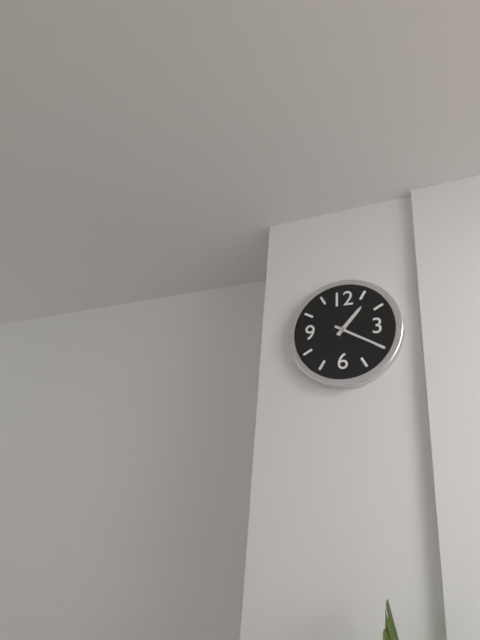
**1:20**
